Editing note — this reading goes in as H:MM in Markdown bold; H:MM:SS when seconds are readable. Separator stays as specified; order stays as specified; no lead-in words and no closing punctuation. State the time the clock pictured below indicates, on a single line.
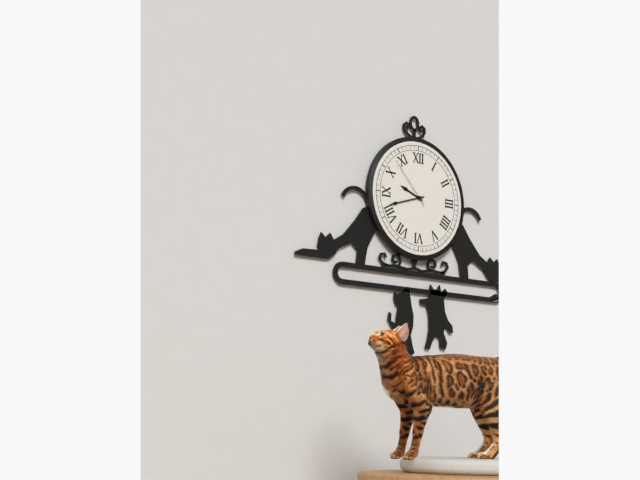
**9:42:53**
